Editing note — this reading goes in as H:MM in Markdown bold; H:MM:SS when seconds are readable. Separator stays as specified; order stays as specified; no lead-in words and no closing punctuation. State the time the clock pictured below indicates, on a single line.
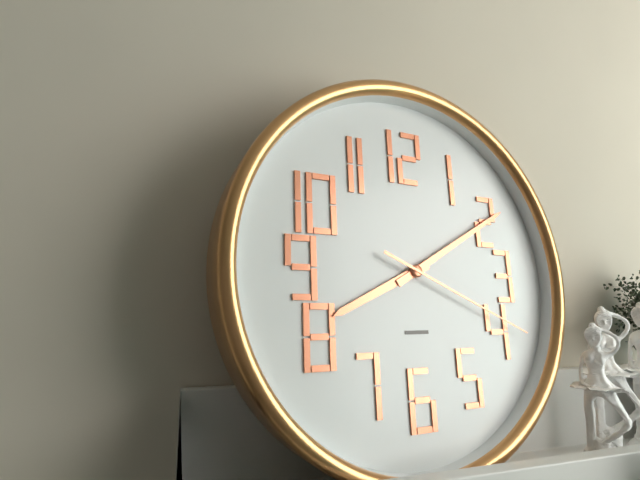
**8:10:19**
